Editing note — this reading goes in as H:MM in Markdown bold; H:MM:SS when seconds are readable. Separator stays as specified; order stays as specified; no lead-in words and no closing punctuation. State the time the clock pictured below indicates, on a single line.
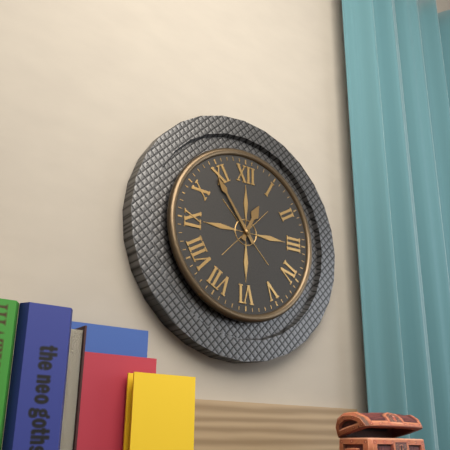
**12:54**
